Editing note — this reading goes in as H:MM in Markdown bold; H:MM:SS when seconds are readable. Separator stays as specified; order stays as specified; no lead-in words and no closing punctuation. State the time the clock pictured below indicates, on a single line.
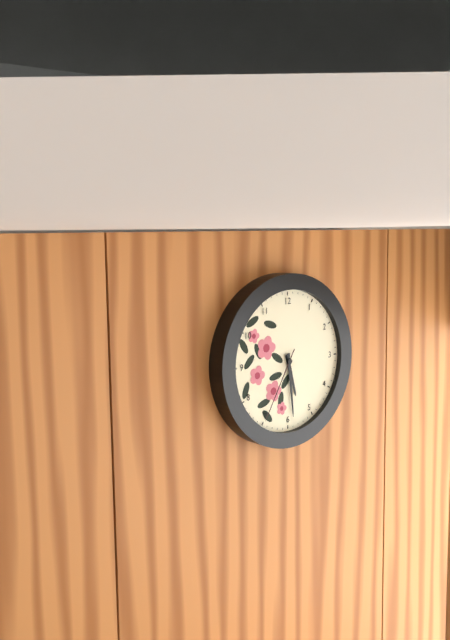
**5:29:35**
